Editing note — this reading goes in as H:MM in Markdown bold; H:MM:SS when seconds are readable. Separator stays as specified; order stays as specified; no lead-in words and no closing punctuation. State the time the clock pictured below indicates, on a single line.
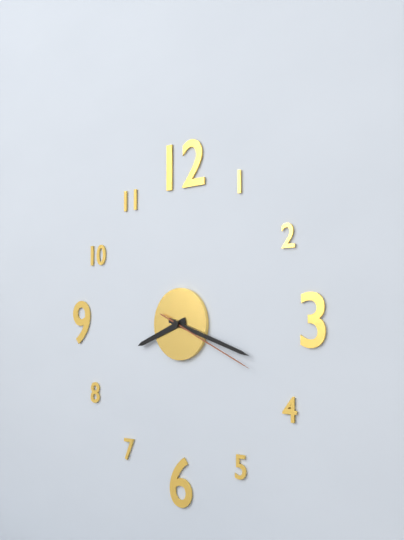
**8:18:19**
